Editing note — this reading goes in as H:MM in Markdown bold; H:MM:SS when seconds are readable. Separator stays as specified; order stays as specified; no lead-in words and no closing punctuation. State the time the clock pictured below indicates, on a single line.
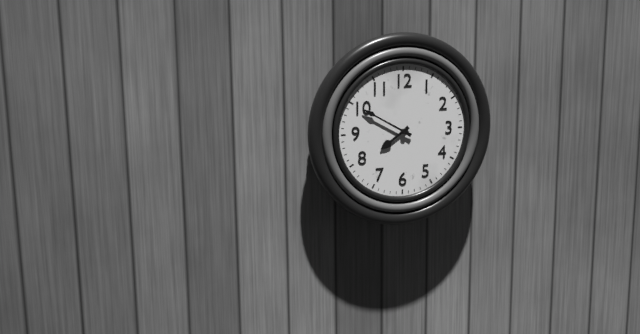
**7:50**
